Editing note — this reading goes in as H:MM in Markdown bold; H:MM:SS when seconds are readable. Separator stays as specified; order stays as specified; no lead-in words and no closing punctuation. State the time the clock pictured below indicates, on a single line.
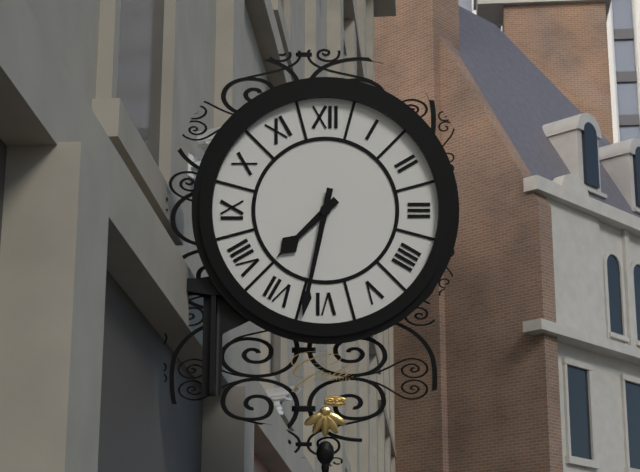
**7:32**
